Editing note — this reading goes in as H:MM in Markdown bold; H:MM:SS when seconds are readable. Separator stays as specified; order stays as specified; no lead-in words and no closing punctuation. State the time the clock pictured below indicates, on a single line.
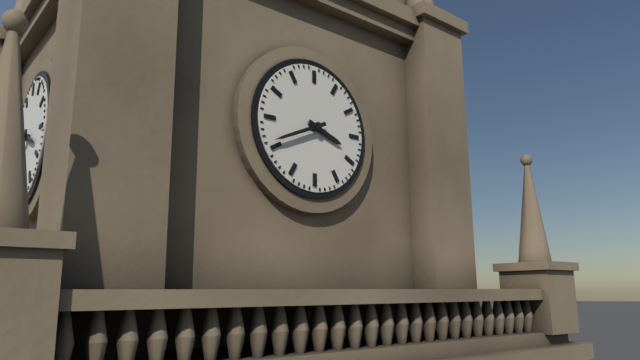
**3:41**
